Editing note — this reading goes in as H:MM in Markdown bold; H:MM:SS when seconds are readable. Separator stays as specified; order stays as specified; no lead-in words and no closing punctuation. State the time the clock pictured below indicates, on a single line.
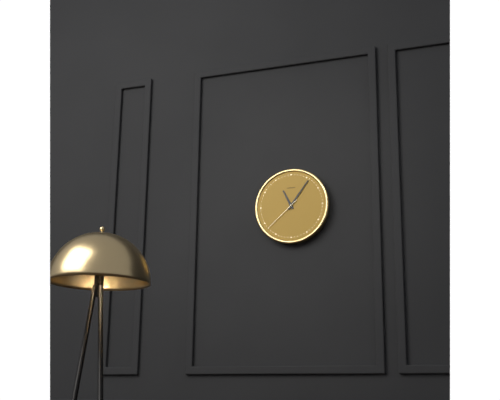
**11:06**
